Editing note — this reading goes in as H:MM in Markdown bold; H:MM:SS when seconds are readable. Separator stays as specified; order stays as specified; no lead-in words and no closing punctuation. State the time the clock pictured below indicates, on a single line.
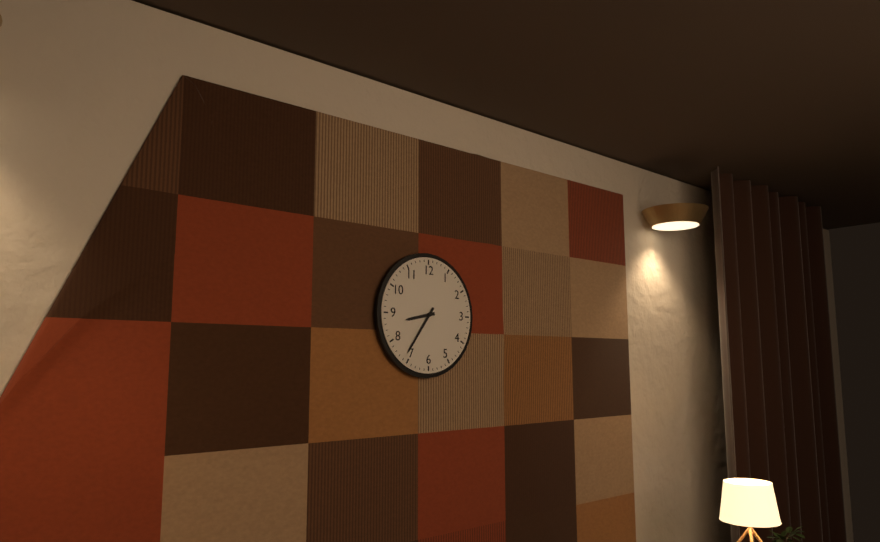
**8:36**
